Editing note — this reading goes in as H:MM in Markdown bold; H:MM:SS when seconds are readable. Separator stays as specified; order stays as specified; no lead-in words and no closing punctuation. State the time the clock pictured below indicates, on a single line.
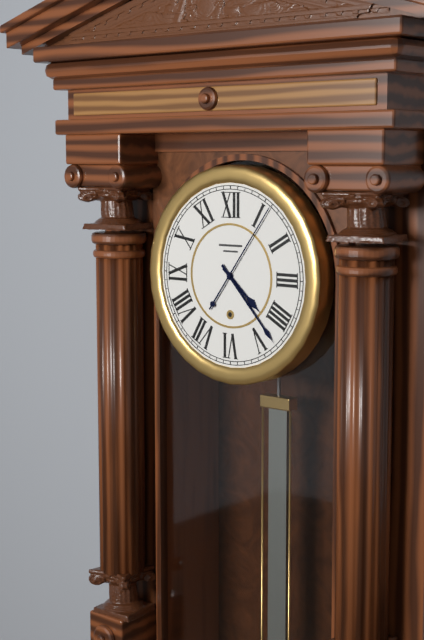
**4:23:06**
